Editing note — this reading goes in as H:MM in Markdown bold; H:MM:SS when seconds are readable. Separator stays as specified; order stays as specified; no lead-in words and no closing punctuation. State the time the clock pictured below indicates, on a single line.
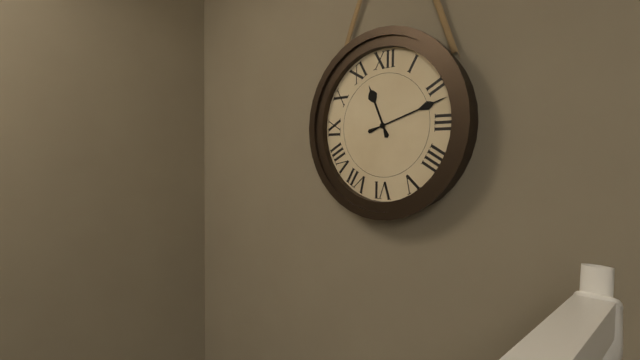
**11:12**
